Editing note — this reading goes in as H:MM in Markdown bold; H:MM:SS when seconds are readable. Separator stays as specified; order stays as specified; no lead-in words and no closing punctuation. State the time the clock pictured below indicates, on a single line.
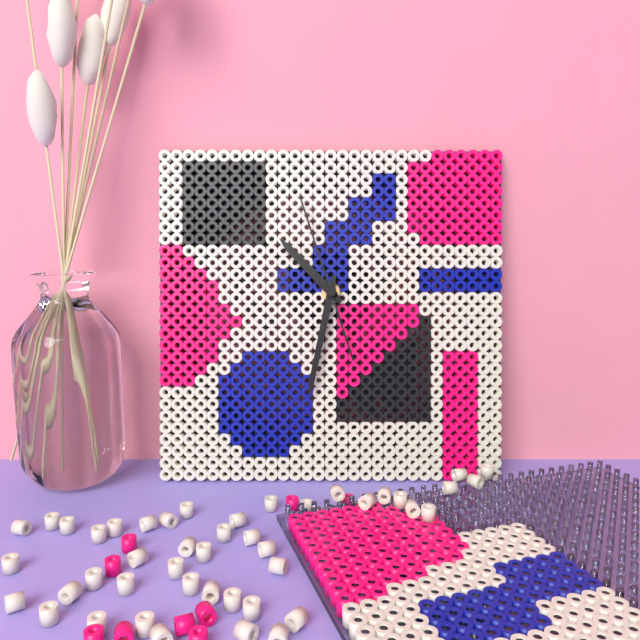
**10:32:57**
